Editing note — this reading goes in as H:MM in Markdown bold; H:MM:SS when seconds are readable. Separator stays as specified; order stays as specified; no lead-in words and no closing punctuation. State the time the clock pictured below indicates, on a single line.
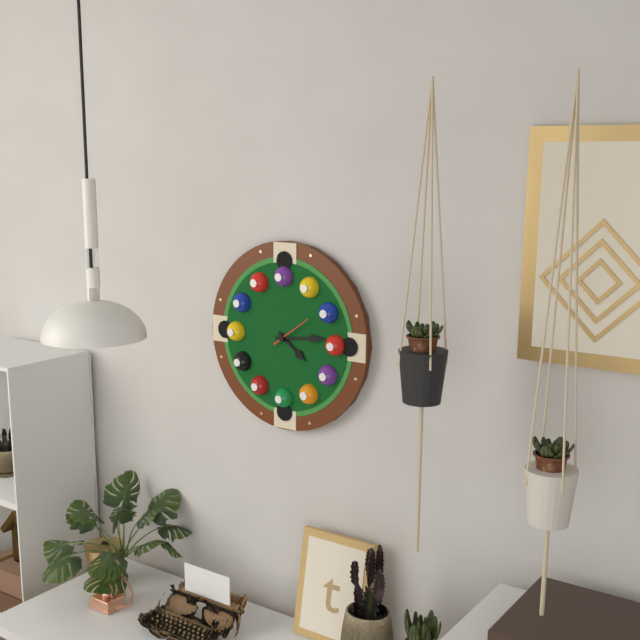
**4:14**
